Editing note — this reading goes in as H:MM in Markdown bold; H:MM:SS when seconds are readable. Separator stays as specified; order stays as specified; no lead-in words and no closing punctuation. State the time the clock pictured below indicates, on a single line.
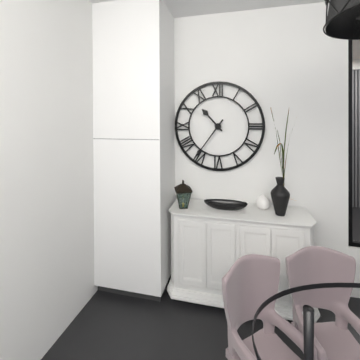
**10:36**
